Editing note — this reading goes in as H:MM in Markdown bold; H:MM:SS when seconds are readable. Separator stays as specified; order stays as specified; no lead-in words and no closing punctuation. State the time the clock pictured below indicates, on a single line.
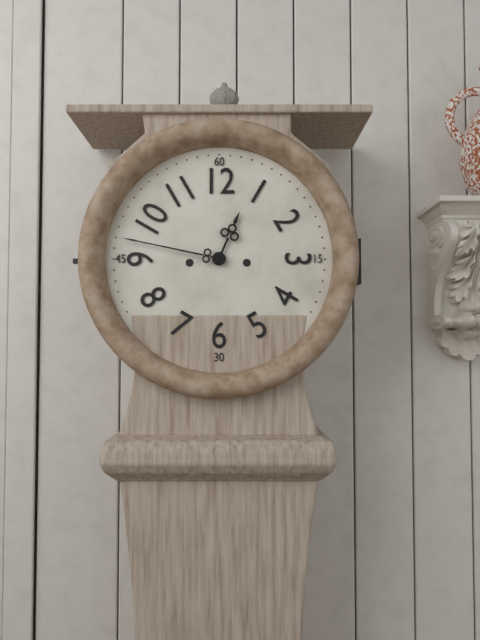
**12:47**
